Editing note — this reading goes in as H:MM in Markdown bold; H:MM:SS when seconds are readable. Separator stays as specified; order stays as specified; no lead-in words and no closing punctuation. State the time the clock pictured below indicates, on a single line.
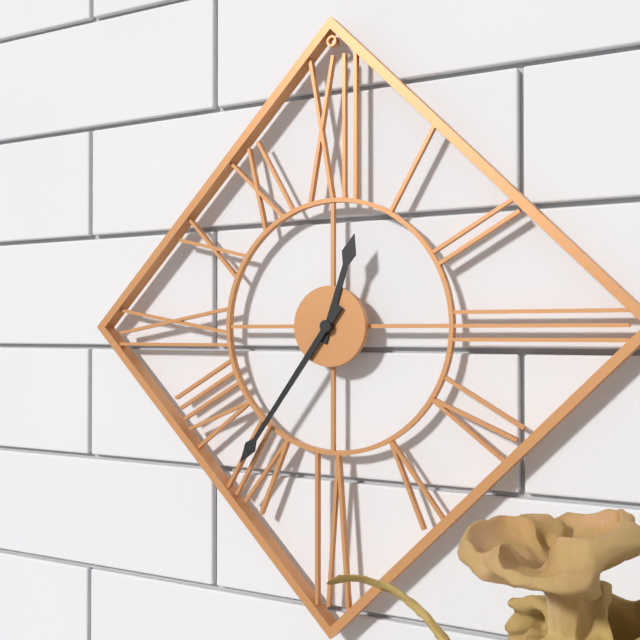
**12:36**
